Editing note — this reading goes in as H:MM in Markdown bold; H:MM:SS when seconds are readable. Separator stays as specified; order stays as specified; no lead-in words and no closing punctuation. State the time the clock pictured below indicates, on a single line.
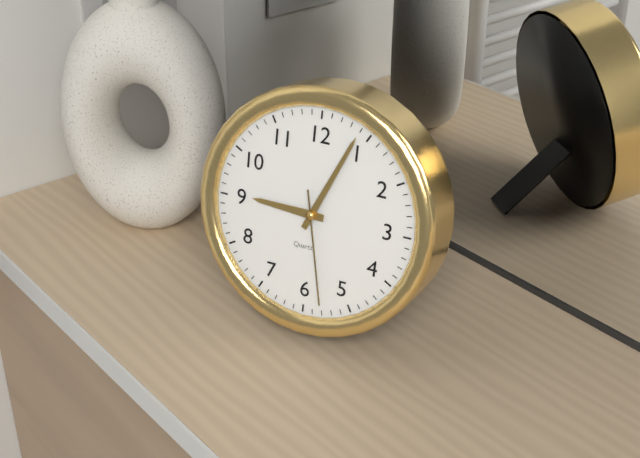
**9:04:28**
